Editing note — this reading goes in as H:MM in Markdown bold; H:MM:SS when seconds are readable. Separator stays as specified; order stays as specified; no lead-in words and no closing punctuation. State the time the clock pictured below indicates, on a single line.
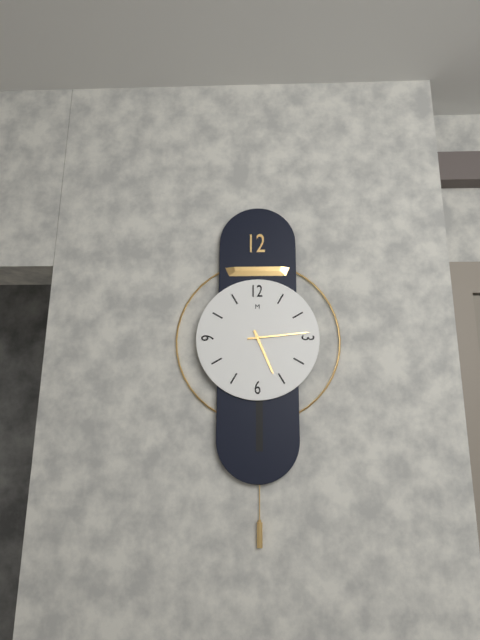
**5:14**
